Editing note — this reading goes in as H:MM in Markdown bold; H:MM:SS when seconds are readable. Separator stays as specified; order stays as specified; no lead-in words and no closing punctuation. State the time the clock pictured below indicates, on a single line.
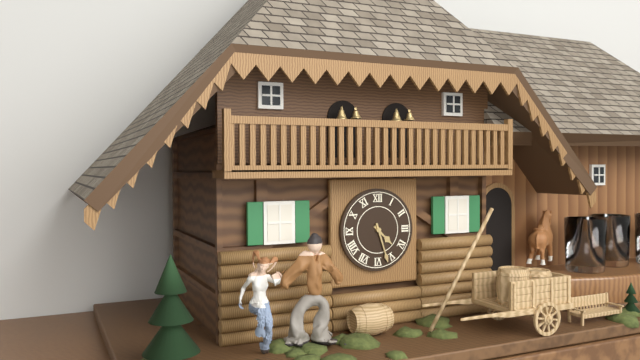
**4:27**
